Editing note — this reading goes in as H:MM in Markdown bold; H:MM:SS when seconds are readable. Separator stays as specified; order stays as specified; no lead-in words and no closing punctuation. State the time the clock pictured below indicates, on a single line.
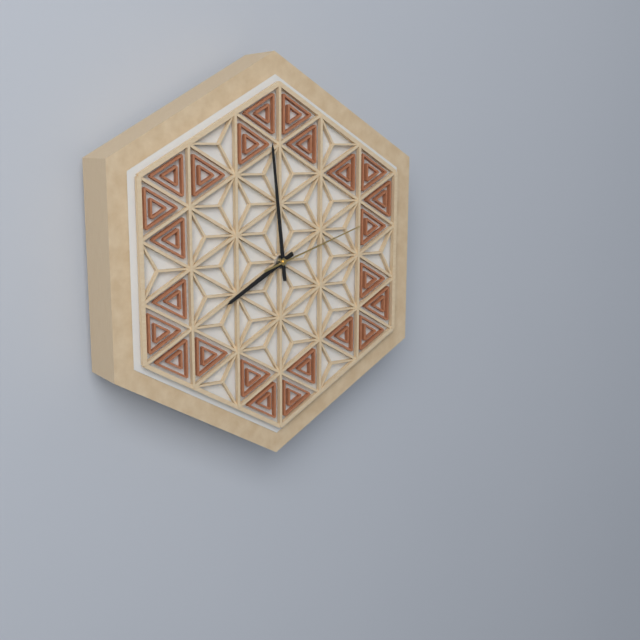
**7:59:12**
